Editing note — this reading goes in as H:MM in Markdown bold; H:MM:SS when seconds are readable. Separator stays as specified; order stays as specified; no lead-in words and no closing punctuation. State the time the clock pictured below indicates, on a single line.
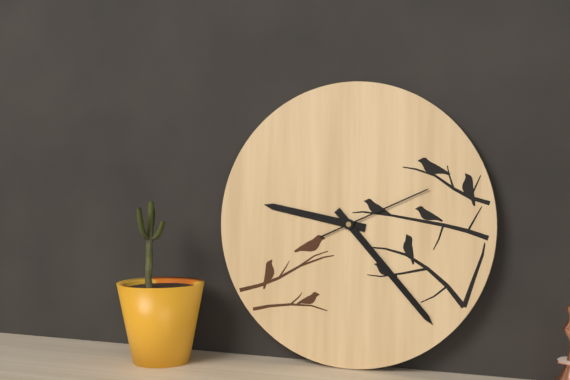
**9:23:11**
